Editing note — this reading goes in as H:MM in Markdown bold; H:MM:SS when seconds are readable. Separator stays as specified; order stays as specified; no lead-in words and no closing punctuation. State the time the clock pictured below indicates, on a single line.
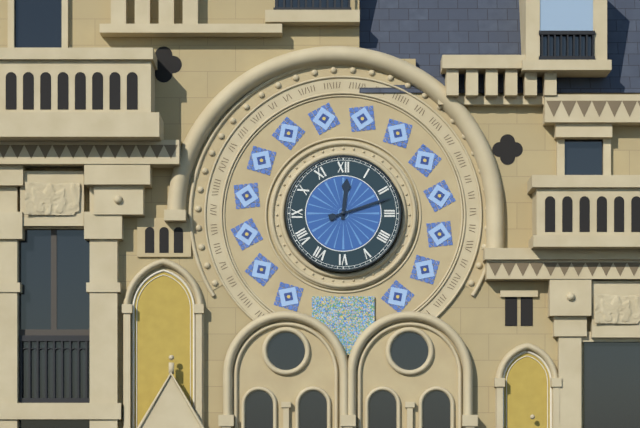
**12:12**
